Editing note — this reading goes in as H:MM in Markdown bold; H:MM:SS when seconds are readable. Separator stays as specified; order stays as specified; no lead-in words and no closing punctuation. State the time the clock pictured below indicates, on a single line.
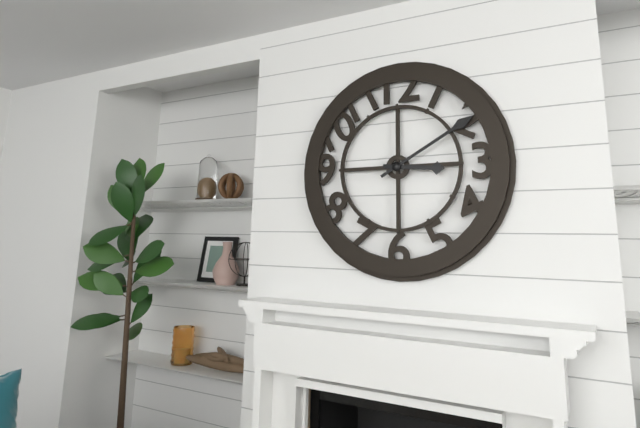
**3:10**
